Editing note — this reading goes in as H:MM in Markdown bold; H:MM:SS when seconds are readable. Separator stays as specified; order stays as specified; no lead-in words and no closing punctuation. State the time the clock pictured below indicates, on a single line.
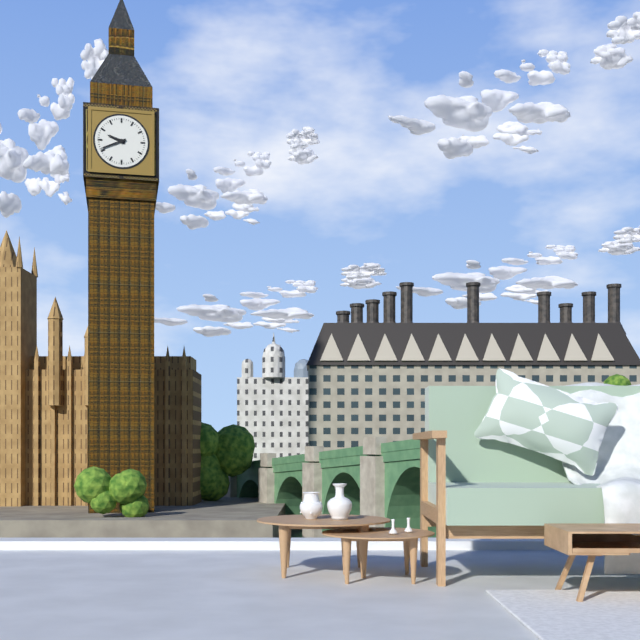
**9:41**
